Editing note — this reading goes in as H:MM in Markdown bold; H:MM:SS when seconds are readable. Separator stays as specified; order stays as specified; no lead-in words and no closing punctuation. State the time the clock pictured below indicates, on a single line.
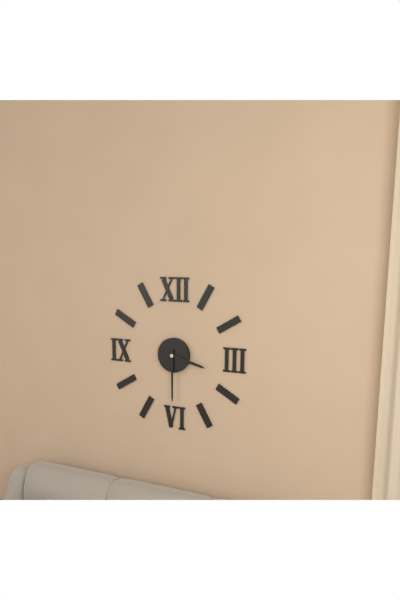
**3:30**
